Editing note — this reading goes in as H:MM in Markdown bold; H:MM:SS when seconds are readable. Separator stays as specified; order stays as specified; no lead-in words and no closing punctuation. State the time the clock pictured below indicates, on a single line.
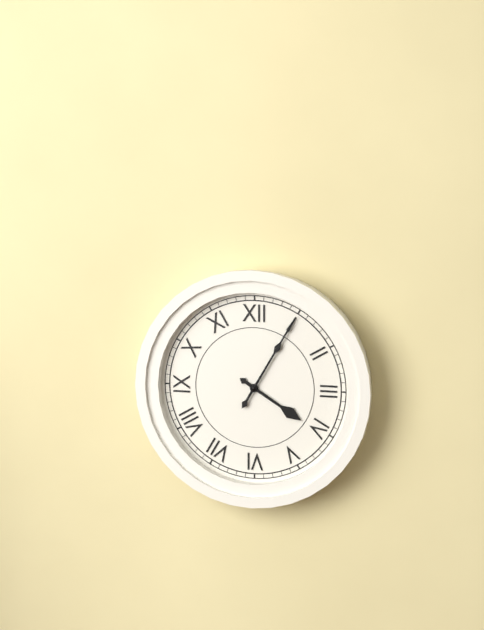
**4:05**
